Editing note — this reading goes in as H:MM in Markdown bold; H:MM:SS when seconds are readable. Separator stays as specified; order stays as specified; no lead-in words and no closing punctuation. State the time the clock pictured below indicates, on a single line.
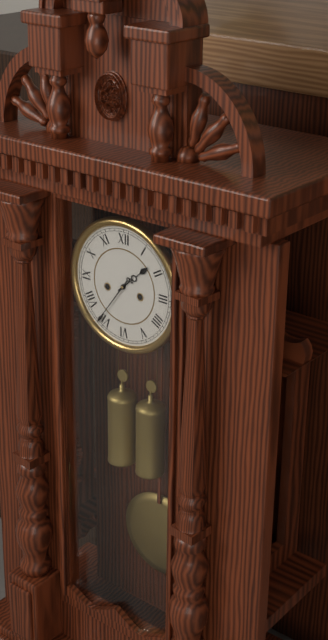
**1:36**
